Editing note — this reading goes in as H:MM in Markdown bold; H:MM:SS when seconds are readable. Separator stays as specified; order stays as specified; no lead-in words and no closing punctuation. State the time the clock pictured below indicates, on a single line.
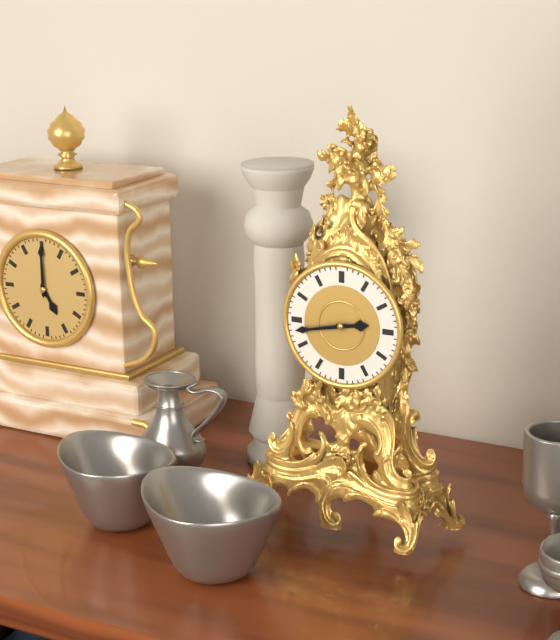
**2:43**
